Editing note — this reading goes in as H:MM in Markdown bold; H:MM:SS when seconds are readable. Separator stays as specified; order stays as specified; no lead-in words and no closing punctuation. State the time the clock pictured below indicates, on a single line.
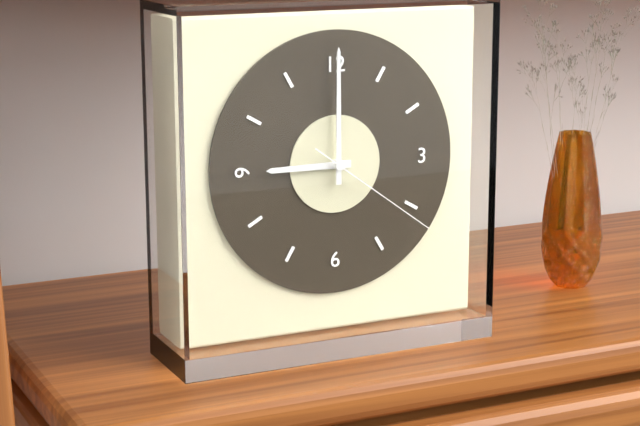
**9:00:21**
